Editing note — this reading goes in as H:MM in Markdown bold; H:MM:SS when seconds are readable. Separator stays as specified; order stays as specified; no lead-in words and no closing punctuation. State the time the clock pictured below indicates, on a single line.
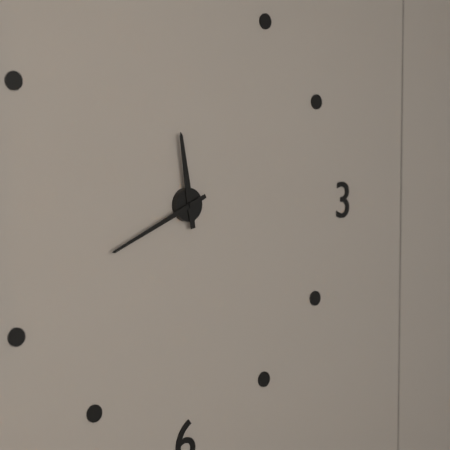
**11:41**
